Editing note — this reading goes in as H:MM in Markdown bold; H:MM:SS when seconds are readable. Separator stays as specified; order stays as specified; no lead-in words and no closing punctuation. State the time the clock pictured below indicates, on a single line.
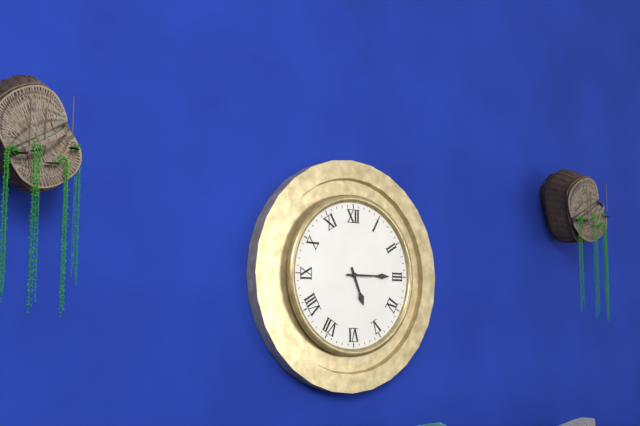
**5:15**
